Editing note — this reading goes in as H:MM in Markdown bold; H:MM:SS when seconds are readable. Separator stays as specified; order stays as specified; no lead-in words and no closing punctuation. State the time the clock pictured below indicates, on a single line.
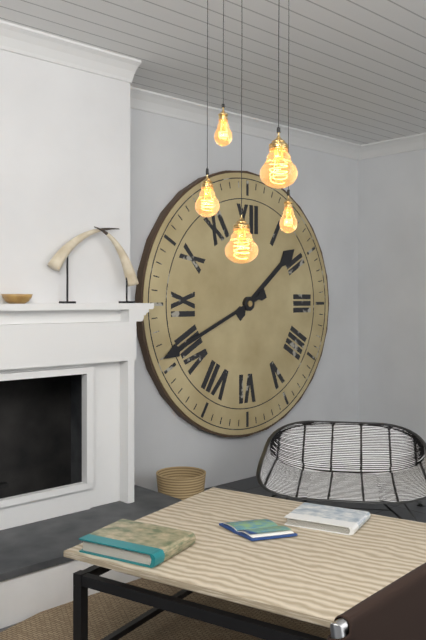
**1:41**
